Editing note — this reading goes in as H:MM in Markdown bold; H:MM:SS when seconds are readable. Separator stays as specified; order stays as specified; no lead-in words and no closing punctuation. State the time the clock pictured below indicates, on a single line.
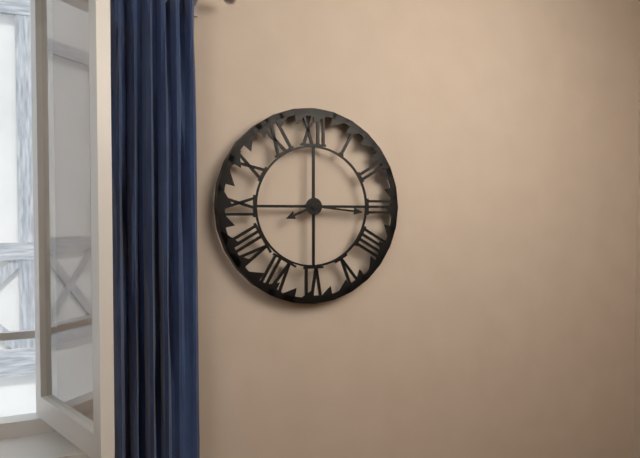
**8:16**
